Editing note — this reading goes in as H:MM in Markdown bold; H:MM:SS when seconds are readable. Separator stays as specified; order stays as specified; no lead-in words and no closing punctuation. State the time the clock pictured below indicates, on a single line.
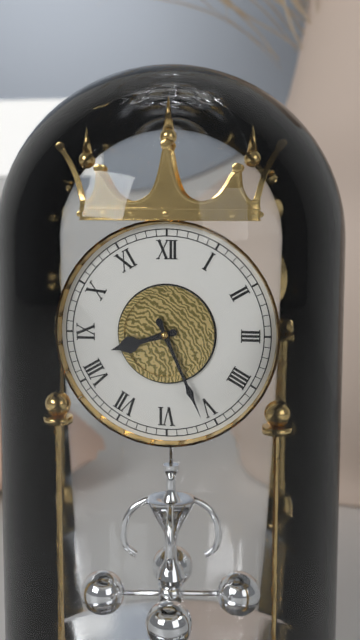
**8:26**
